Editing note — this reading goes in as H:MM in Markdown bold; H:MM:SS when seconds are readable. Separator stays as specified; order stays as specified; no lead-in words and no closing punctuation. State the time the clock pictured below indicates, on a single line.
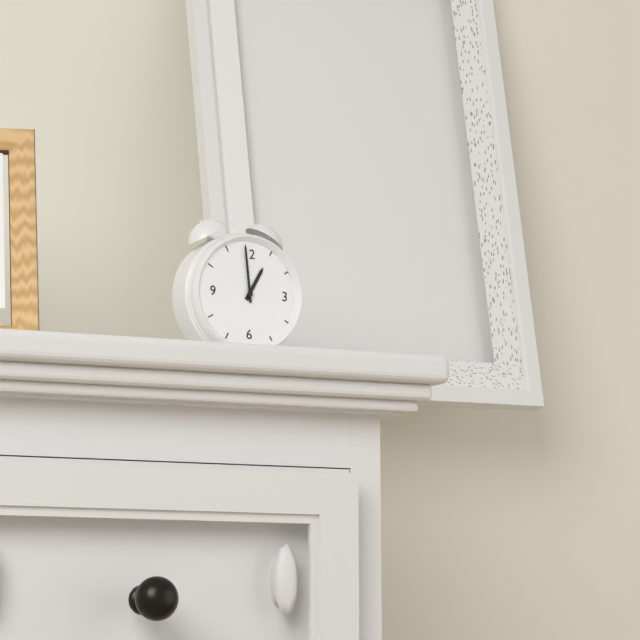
**12:59**
